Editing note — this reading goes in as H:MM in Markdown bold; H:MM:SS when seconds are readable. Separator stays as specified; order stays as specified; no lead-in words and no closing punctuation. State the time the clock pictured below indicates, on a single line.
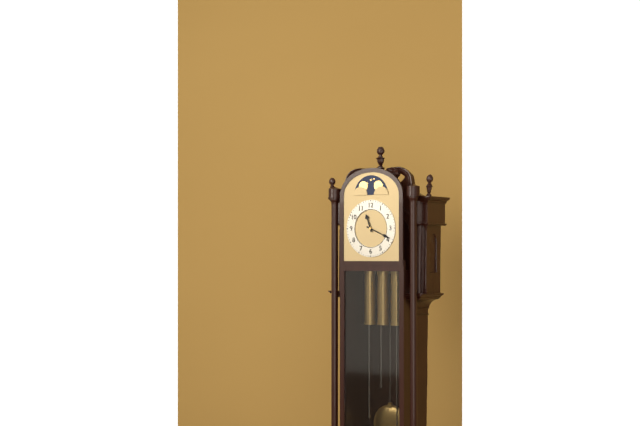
**11:19**
